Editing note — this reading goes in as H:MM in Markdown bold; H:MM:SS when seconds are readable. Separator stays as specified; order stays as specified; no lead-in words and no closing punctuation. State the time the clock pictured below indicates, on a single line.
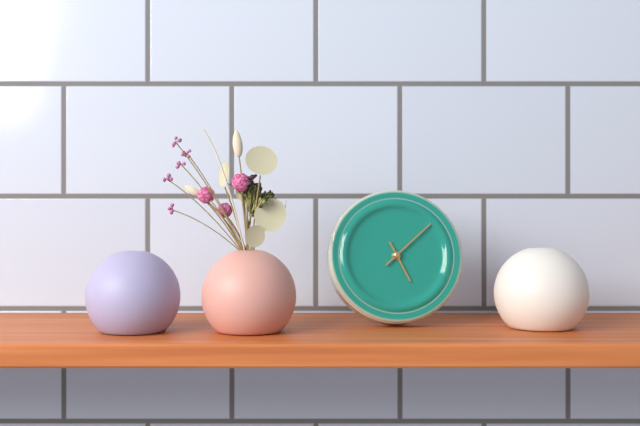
**5:08**
